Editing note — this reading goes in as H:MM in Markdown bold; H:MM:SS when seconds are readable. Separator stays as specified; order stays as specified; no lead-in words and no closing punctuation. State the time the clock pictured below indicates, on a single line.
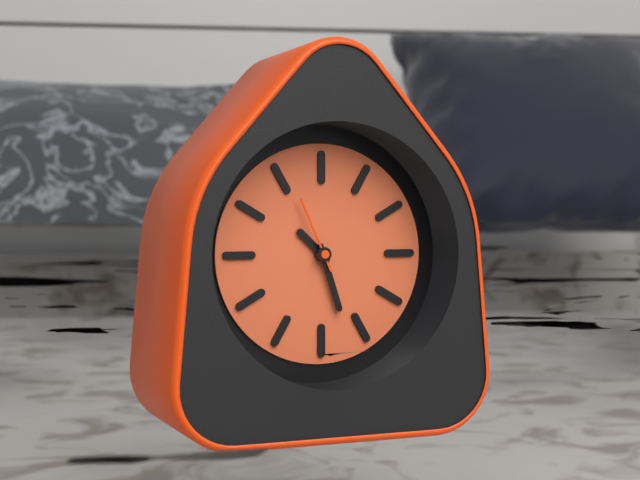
**10:27:56**
